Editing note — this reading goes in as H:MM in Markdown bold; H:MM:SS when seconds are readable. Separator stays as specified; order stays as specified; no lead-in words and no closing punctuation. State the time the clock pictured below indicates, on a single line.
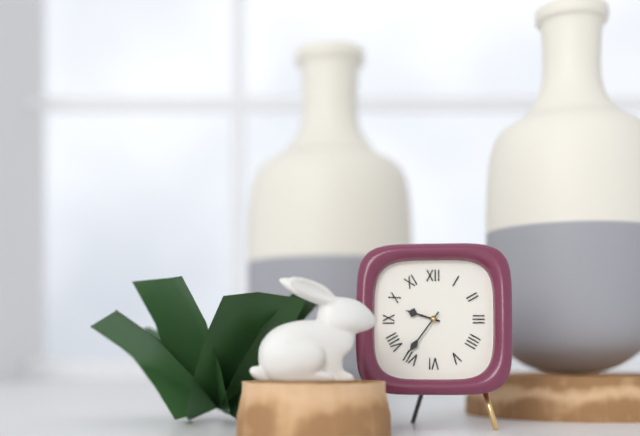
**9:36**
